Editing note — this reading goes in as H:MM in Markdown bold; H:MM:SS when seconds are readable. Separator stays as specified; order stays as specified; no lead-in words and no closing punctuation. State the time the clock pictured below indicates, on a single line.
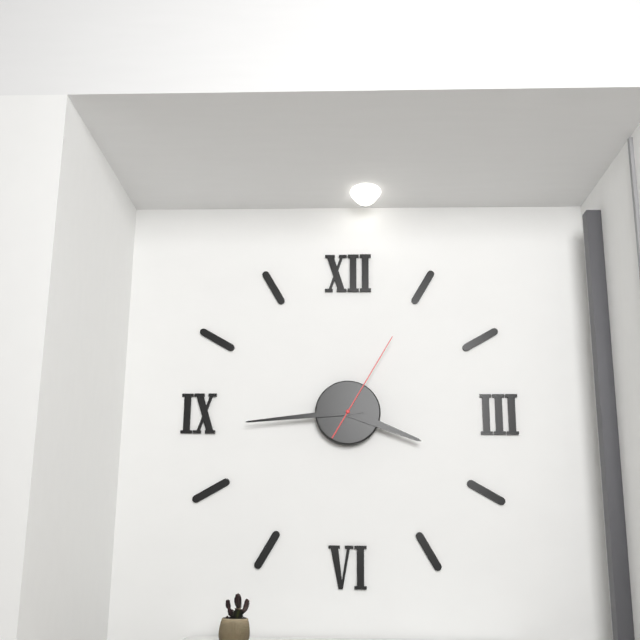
**3:44:05**
